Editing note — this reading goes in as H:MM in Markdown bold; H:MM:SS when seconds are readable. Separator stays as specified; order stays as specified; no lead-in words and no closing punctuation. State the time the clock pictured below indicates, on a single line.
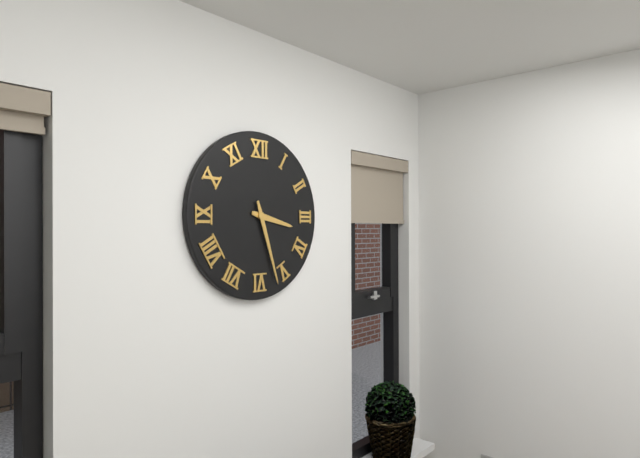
**3:27**
